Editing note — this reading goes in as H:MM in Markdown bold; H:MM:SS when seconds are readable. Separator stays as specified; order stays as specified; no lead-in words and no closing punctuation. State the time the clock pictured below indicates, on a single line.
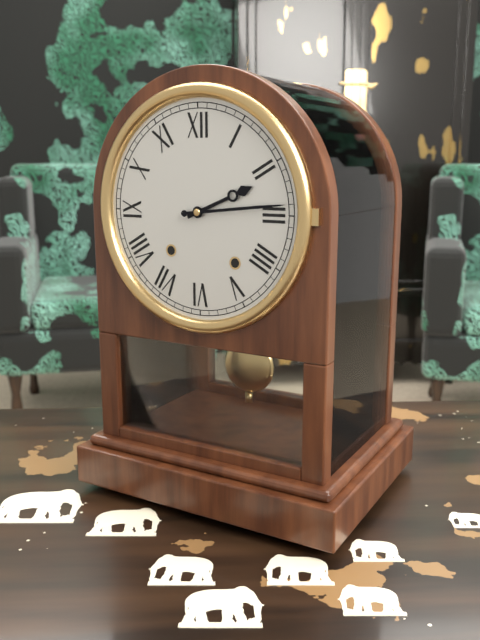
**2:14**
